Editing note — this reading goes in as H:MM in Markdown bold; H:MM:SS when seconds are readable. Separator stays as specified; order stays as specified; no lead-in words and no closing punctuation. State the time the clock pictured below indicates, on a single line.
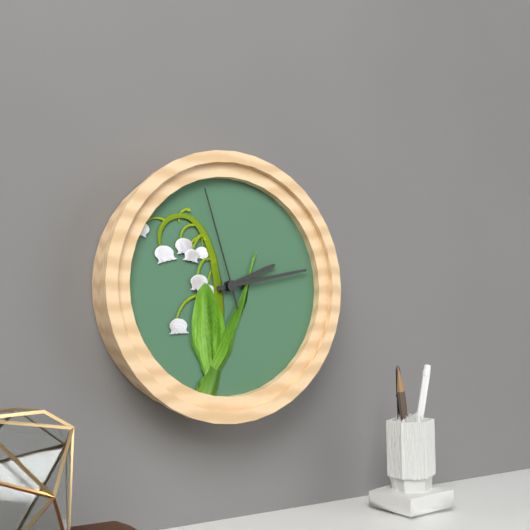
**2:13:57**
